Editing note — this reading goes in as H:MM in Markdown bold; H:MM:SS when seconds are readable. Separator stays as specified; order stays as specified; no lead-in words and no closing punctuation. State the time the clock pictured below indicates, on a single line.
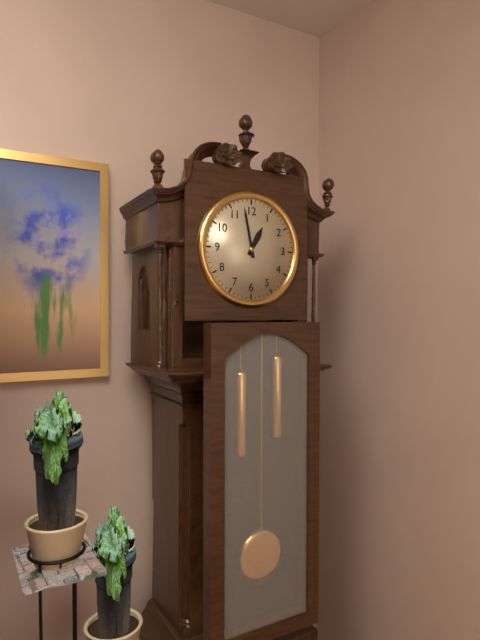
**12:58**
